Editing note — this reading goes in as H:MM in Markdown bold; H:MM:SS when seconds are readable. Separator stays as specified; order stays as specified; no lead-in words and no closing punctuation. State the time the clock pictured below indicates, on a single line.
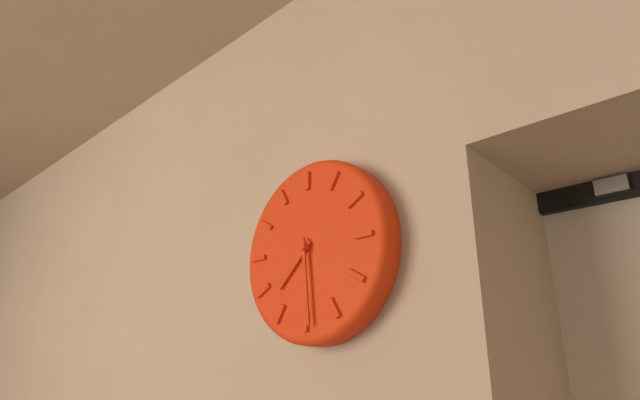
**7:29**
